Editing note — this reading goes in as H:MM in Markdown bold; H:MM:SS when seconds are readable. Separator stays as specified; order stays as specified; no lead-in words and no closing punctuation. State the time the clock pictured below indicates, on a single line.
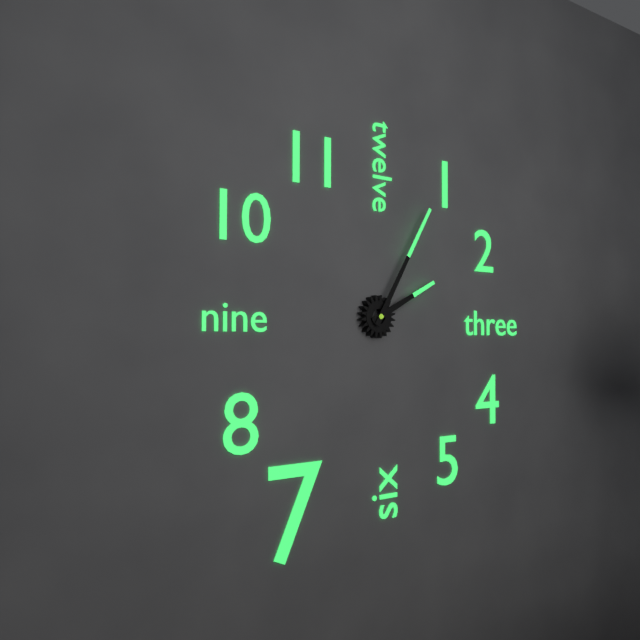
**2:05**
